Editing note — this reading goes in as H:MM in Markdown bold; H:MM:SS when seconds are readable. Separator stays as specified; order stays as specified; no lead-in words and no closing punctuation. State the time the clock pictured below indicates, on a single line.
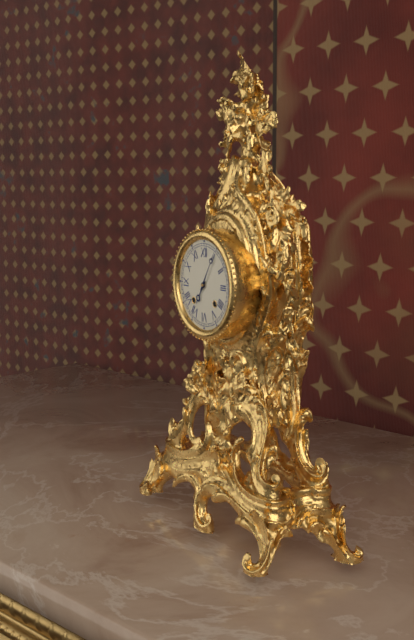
**7:05**
